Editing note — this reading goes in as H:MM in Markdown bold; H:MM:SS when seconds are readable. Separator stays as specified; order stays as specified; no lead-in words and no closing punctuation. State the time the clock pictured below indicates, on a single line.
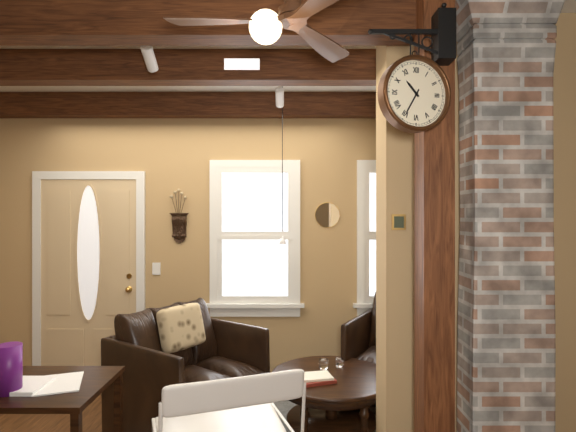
**10:35**
